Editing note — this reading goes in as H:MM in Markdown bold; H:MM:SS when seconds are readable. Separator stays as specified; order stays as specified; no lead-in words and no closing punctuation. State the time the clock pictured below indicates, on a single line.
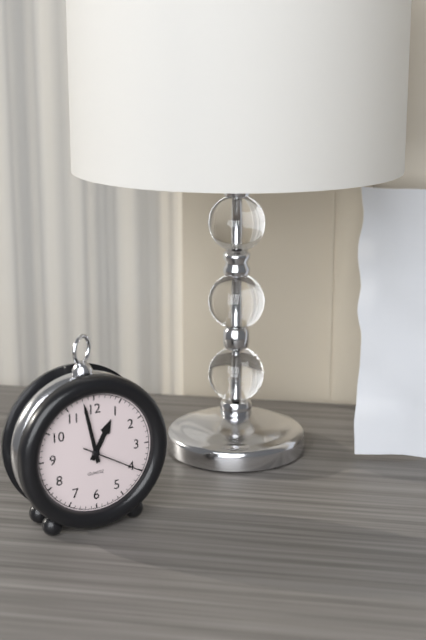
**12:58:20**
